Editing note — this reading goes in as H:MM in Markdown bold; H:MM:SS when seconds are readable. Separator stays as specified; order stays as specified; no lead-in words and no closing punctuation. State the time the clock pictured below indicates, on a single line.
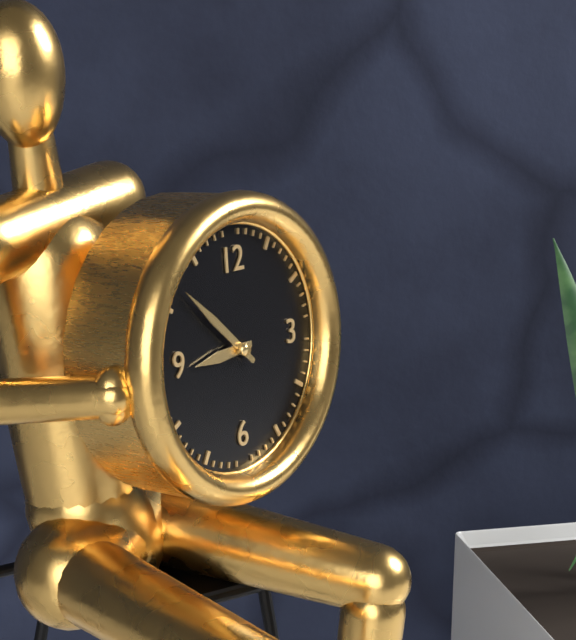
**8:52**
